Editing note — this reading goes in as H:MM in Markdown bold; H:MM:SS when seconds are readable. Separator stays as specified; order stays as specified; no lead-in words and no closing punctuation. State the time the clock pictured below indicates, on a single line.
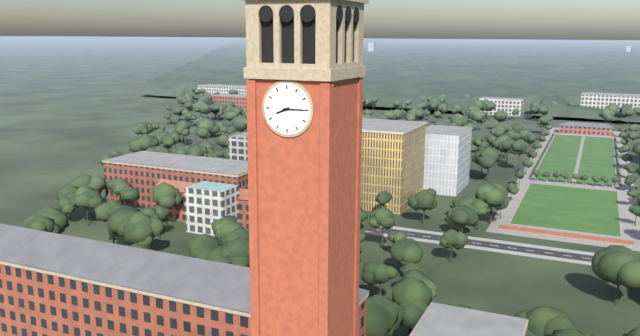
**8:15**
